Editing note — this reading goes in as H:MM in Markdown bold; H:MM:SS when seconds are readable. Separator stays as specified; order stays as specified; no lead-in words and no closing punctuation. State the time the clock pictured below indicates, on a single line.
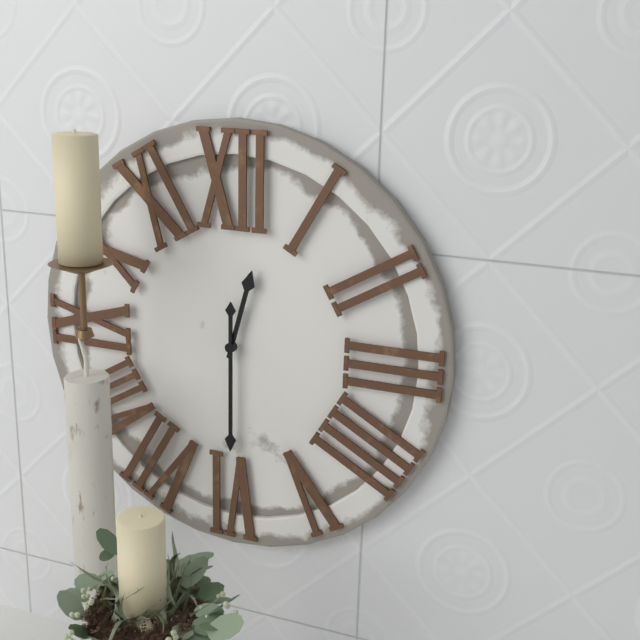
**12:30**
